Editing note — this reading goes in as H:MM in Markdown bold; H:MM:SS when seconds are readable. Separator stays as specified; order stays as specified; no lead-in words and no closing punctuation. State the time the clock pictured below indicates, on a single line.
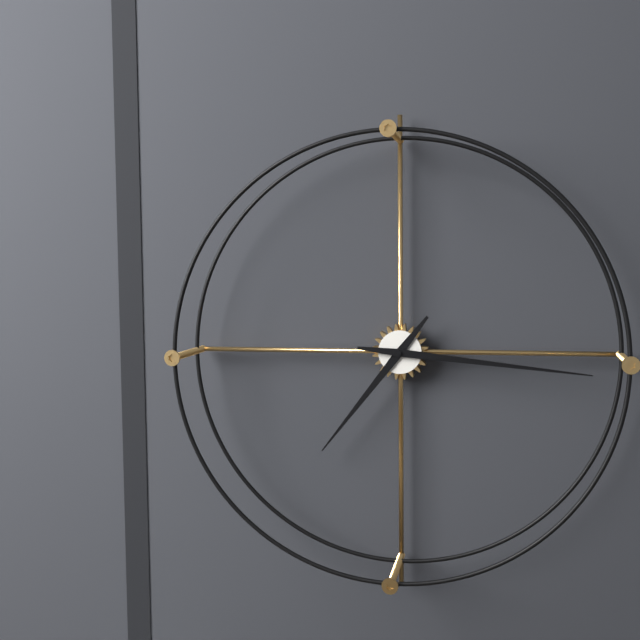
**7:16**
